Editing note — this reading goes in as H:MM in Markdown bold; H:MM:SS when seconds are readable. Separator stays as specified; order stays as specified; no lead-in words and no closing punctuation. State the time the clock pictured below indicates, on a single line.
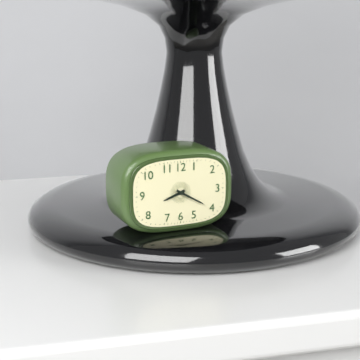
**8:20**
